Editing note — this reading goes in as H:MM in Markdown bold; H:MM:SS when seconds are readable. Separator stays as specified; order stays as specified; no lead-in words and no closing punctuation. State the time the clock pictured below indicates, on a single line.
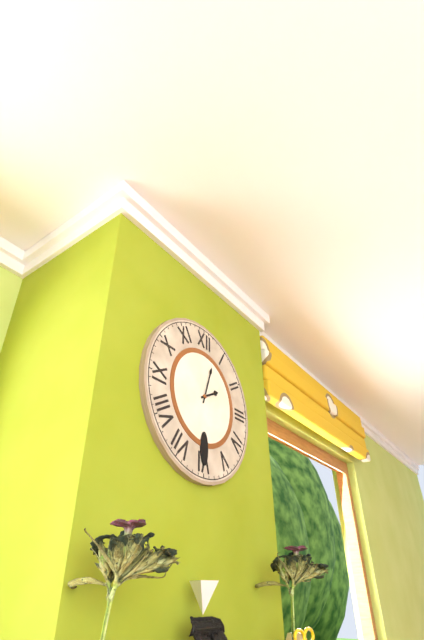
**2:03**
